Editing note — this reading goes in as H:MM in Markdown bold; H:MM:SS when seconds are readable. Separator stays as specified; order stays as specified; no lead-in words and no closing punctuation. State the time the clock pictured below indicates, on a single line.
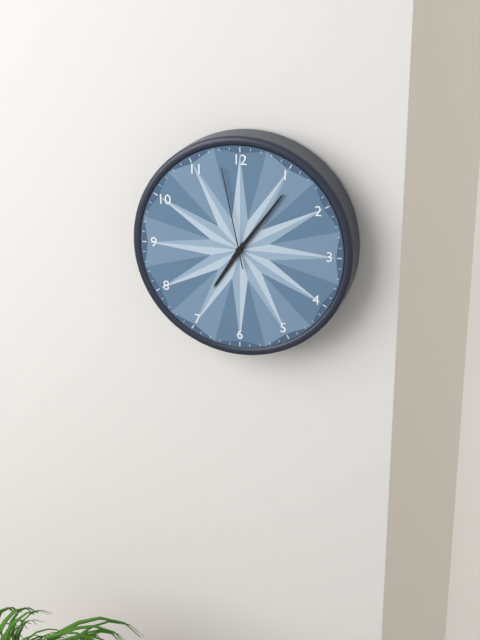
**7:06:58**
